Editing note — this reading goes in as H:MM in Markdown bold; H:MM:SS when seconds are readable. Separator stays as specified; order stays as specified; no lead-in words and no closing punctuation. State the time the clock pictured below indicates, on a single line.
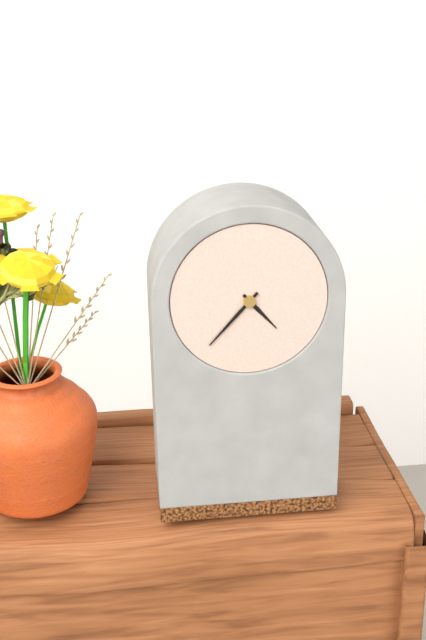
**4:37**
